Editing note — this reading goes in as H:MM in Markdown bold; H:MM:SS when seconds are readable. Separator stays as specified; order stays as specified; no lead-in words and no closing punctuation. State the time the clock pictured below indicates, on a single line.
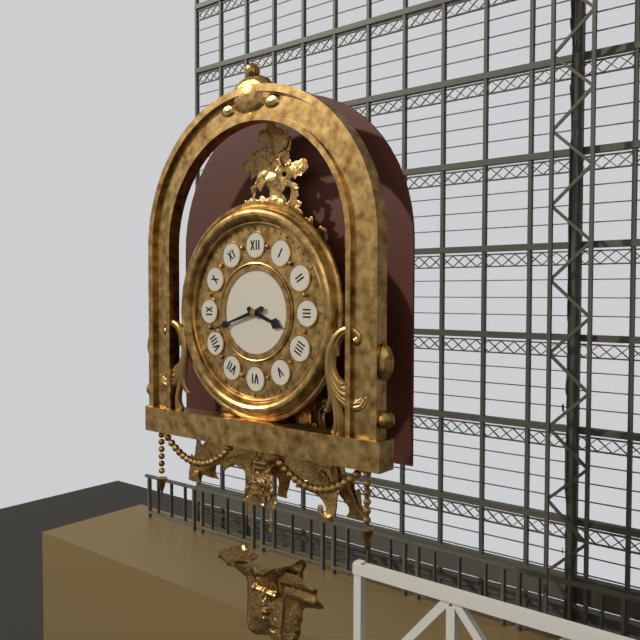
**3:42**
